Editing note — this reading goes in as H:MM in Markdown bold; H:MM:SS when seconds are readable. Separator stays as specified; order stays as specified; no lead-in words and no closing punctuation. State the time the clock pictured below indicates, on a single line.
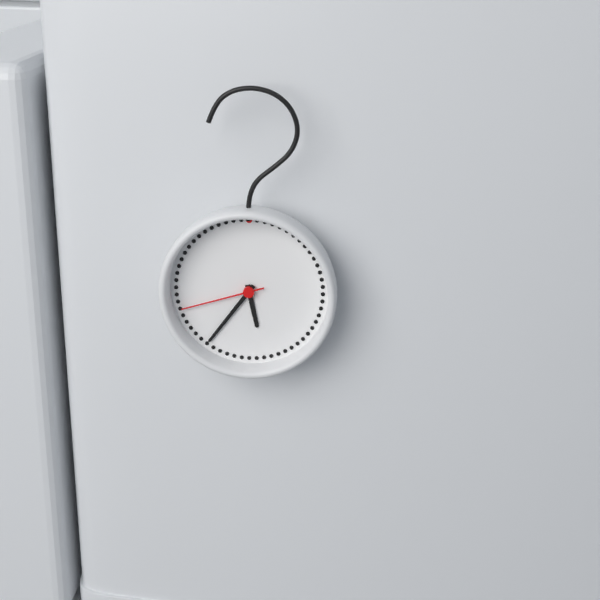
**5:36:42**
